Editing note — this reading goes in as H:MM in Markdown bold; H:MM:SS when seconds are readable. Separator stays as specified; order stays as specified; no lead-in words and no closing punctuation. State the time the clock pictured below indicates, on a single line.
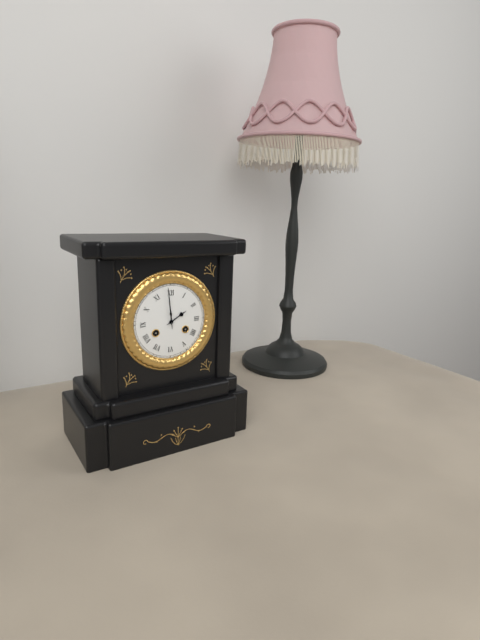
**1:59**
